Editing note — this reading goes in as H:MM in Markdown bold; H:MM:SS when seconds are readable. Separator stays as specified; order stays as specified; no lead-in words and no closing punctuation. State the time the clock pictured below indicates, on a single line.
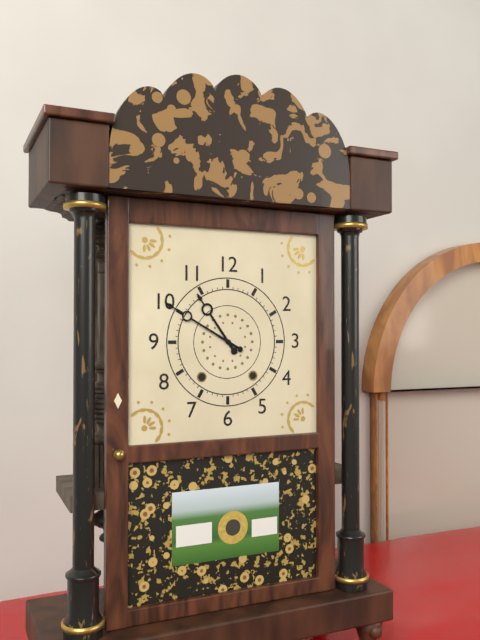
**10:50**
